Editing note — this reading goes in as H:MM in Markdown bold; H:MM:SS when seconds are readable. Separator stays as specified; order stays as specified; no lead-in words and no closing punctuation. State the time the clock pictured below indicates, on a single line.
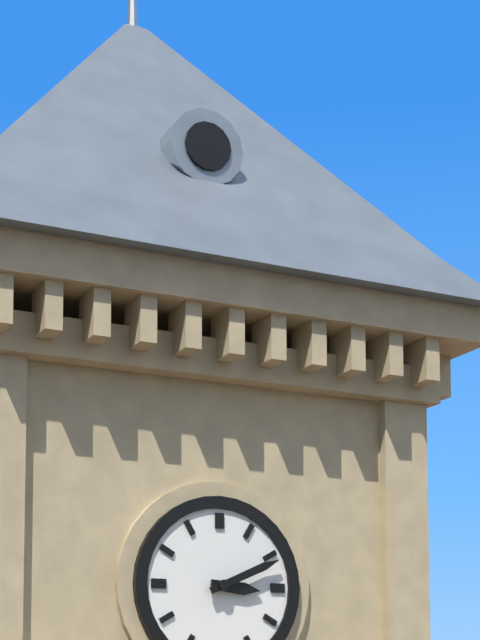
**3:11**
